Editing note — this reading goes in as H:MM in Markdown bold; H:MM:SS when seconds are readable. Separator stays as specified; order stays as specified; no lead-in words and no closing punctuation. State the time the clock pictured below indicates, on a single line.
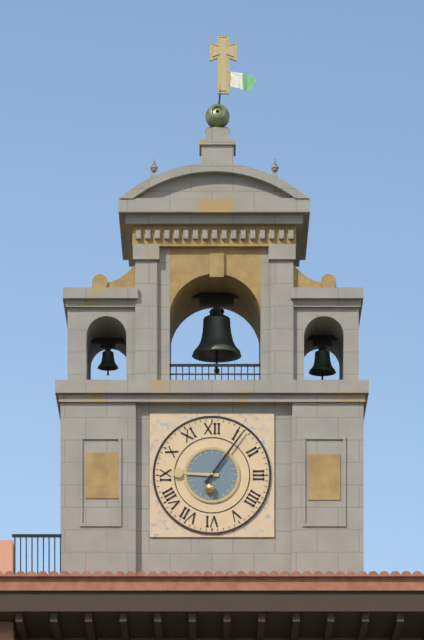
**9:06**
